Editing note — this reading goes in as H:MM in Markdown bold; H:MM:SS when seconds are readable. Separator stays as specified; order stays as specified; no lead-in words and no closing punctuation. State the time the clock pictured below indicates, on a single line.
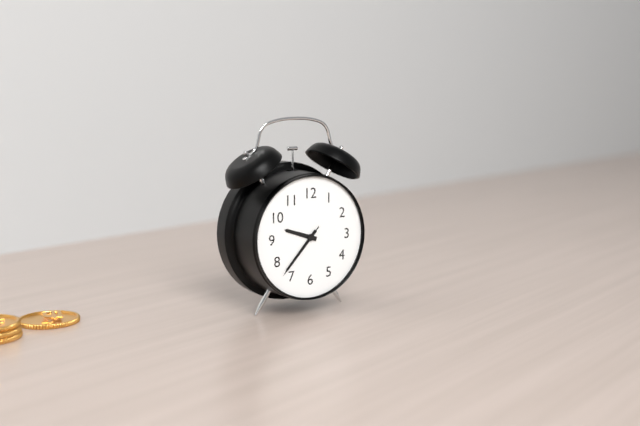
**9:37:37**
